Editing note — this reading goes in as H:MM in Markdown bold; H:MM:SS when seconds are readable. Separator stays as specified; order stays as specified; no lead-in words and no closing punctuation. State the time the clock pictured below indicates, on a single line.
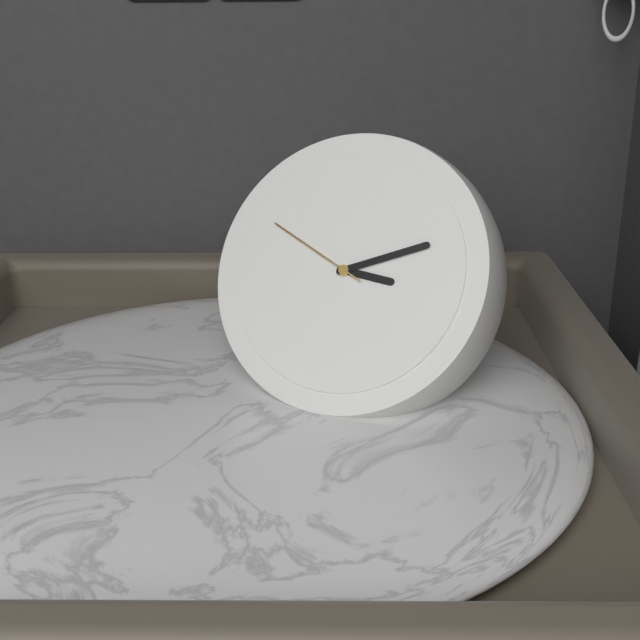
**3:11:49**
